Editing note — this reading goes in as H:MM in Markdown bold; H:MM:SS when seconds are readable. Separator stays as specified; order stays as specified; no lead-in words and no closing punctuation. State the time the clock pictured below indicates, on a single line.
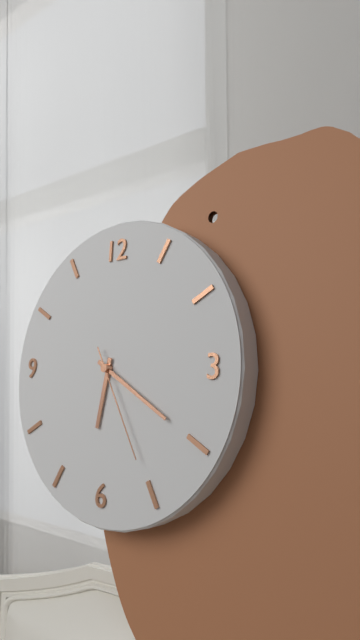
**6:20:25**
